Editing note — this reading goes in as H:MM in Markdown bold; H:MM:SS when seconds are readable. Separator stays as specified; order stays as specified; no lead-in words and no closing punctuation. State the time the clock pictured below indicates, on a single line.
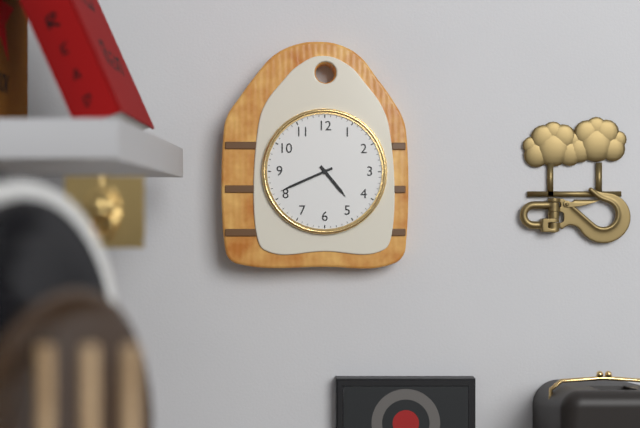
**4:41**
